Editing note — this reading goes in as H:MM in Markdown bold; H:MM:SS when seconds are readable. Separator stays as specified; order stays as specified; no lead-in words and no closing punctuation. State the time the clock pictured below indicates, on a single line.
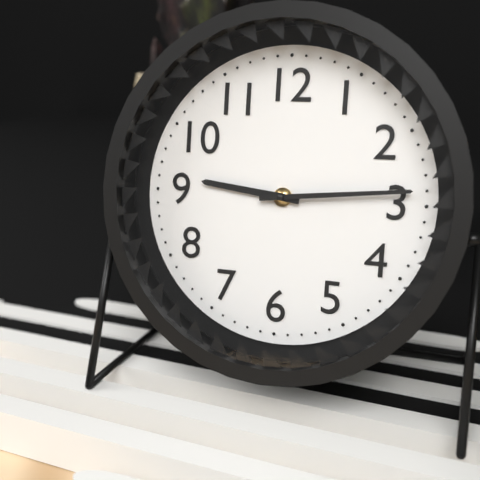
**9:14**
